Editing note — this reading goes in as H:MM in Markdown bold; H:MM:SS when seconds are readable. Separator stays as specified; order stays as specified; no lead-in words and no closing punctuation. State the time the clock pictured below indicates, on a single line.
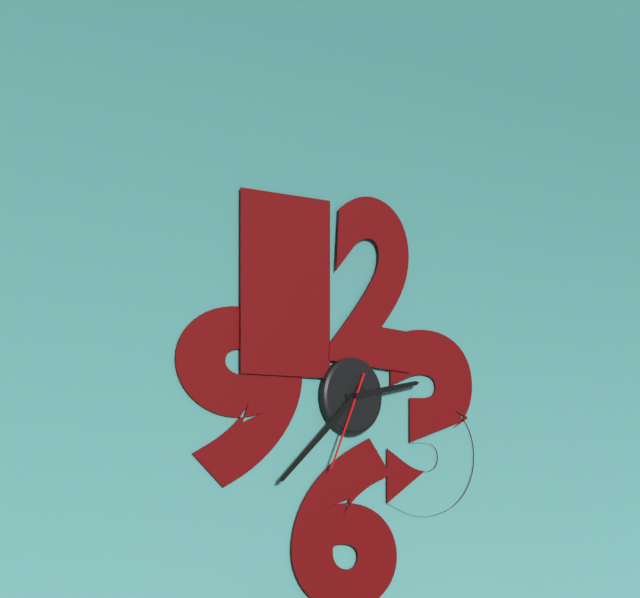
**2:38:34**
